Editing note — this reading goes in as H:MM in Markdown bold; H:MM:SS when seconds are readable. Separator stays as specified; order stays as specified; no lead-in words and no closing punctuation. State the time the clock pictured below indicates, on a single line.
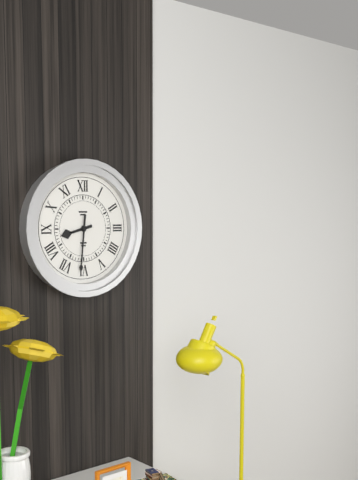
**8:31**
